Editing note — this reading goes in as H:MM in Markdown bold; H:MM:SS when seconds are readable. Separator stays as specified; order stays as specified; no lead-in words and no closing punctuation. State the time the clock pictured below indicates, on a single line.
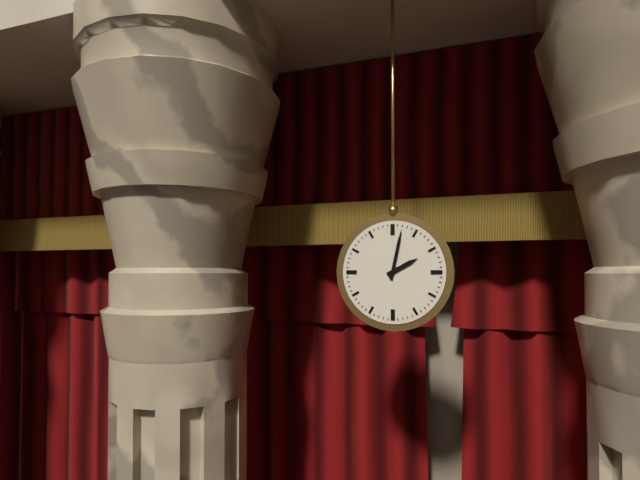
**2:02**
